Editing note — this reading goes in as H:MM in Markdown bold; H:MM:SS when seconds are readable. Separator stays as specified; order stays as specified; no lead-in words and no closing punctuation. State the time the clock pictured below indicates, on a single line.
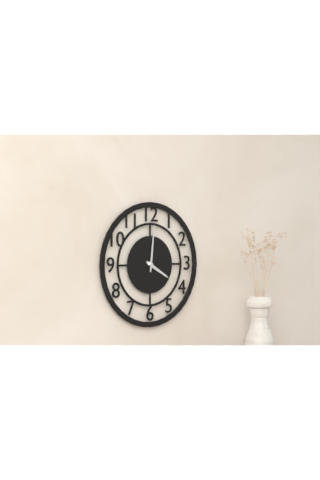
**4:01**
